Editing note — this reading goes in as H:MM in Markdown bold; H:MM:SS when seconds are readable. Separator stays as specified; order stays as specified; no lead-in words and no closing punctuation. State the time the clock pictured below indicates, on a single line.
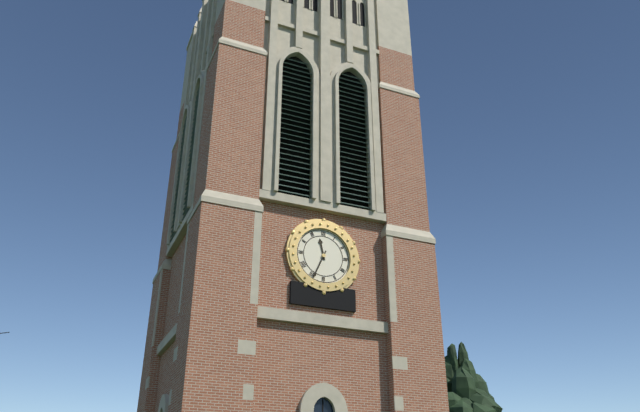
**11:34**
